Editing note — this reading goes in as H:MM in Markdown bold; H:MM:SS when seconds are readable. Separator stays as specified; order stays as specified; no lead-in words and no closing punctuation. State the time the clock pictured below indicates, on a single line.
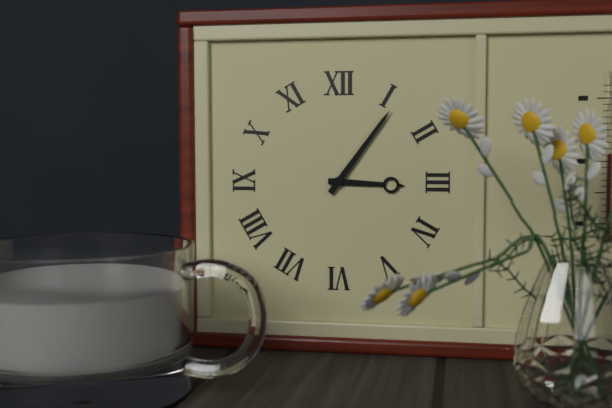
**3:06**
